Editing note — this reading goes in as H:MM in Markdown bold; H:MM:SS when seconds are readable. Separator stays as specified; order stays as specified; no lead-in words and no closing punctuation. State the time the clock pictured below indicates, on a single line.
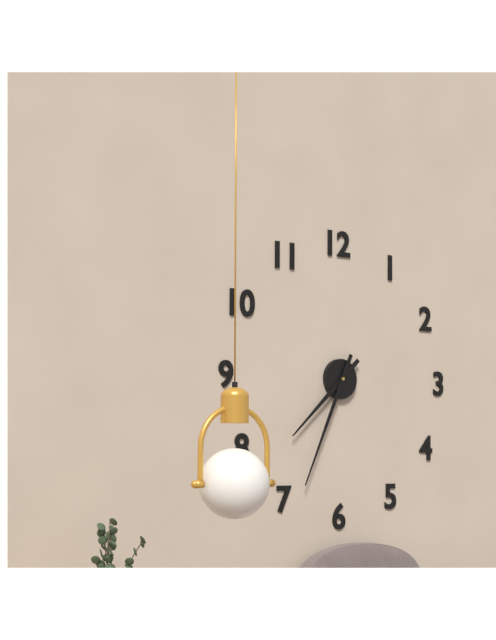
**7:34**
